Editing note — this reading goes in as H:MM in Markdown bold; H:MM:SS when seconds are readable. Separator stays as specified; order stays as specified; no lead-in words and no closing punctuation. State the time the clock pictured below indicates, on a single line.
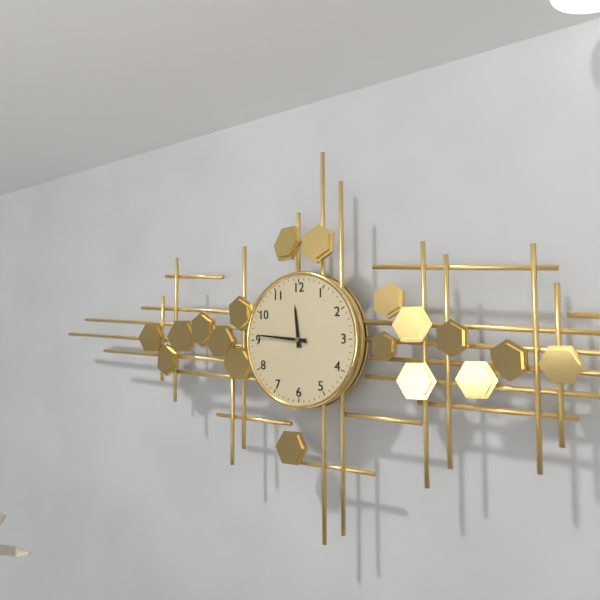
**11:46**
